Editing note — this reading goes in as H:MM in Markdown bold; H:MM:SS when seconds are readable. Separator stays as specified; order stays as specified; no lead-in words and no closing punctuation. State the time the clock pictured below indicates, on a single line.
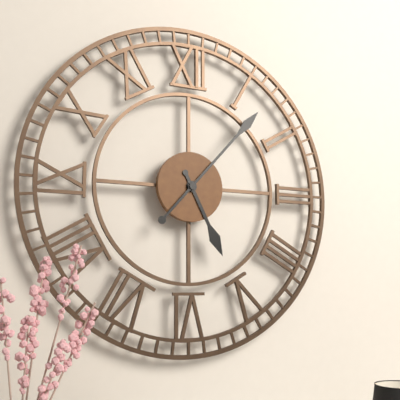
**5:07**
